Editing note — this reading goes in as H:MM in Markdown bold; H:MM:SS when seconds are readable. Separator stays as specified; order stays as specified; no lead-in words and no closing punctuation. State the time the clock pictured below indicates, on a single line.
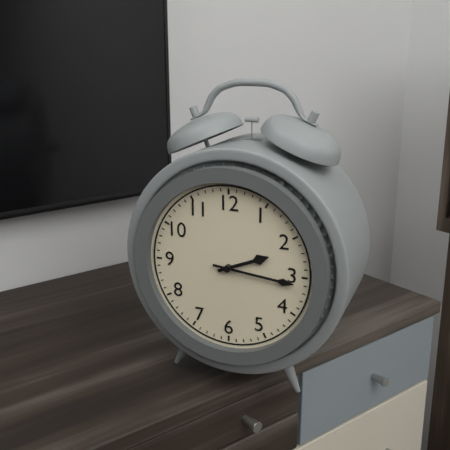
**2:16**
